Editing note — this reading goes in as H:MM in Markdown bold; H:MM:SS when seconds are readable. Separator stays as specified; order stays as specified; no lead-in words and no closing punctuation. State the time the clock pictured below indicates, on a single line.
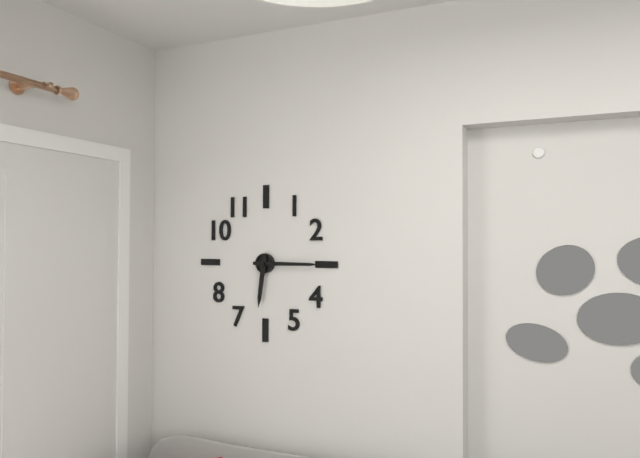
**6:15**
